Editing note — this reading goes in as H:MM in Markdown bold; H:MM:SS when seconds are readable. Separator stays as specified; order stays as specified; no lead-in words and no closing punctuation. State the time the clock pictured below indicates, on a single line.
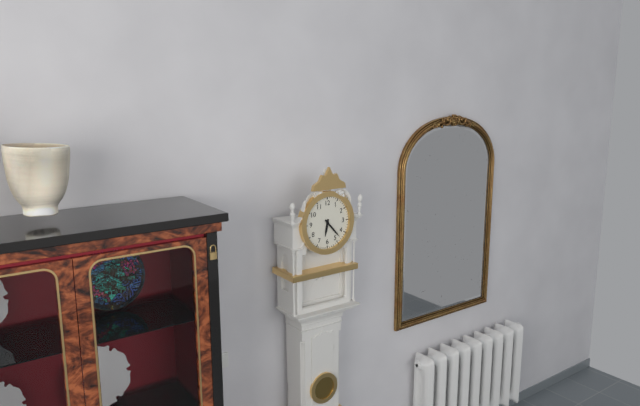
**6:23**
